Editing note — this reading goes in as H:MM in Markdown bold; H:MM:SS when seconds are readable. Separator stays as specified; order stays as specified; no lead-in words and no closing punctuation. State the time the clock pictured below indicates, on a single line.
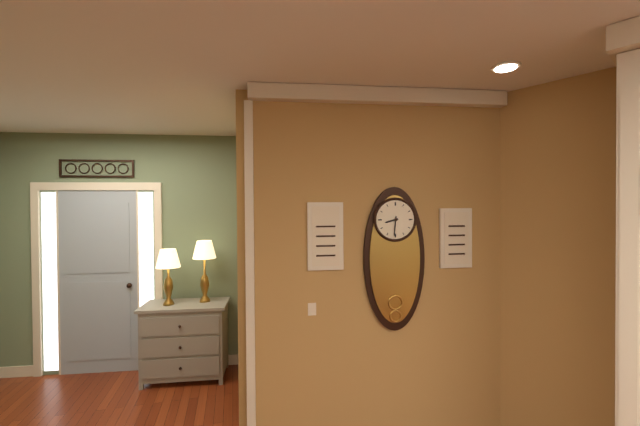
**8:31**
